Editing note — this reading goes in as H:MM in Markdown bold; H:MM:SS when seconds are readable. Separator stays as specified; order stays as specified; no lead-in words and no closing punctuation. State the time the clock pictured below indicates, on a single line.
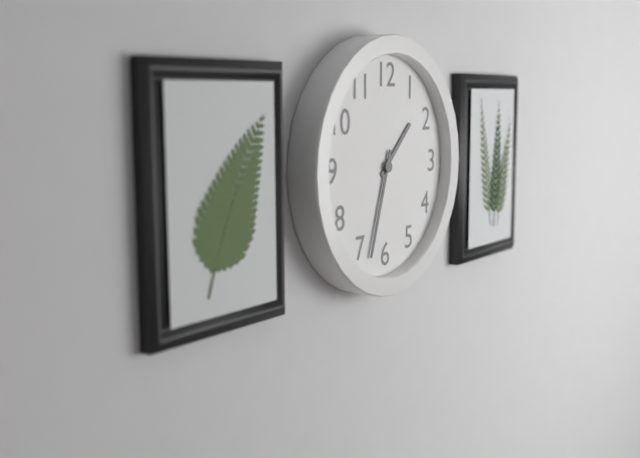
**1:33**
